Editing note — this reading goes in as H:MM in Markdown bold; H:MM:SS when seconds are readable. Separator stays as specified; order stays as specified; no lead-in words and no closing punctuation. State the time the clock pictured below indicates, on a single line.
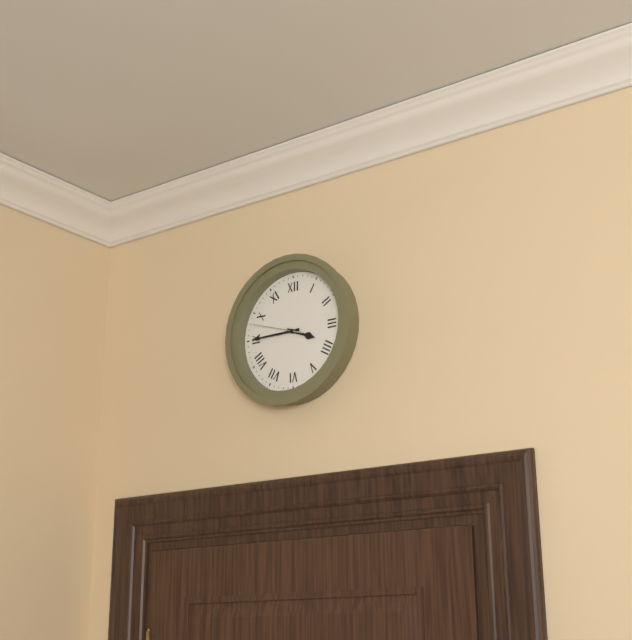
**3:45:48**
